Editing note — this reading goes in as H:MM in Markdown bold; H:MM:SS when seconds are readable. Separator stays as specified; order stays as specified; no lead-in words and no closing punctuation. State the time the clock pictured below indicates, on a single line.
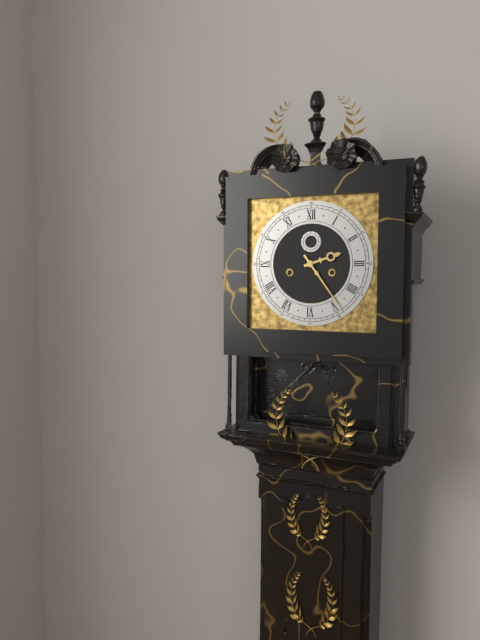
**2:24**
